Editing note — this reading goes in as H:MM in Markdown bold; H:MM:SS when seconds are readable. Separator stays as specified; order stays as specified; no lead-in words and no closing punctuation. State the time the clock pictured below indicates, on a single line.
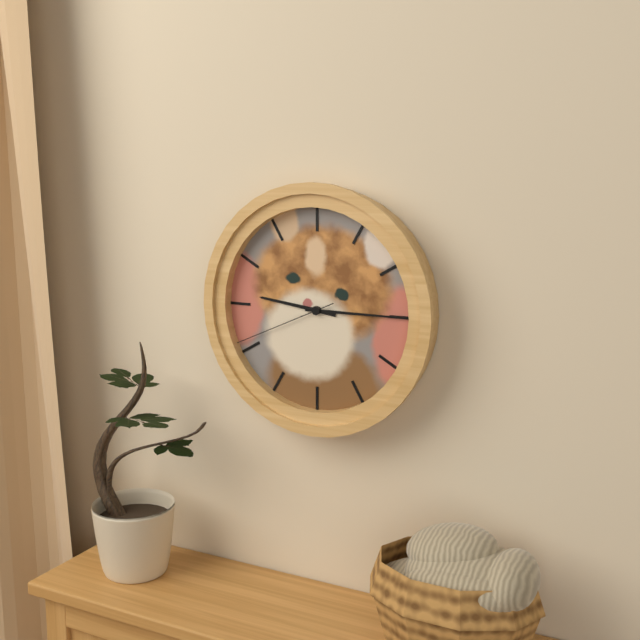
**9:15:41**
